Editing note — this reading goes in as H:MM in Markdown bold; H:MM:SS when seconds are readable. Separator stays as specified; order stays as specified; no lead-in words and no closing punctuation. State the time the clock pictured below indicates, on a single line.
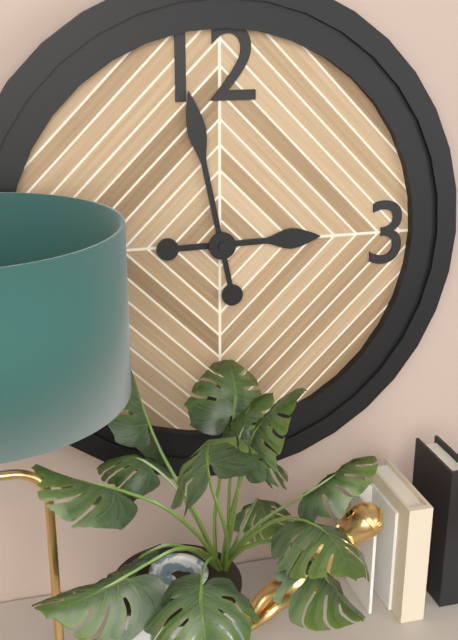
**2:58**
